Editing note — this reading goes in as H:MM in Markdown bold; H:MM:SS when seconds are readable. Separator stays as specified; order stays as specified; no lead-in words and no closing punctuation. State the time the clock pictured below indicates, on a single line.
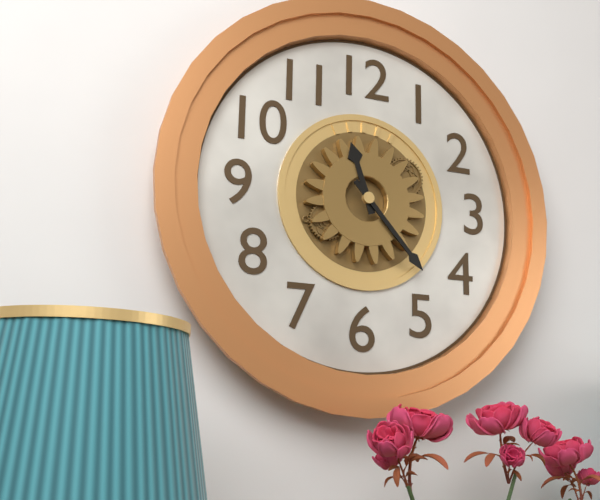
**11:23**
